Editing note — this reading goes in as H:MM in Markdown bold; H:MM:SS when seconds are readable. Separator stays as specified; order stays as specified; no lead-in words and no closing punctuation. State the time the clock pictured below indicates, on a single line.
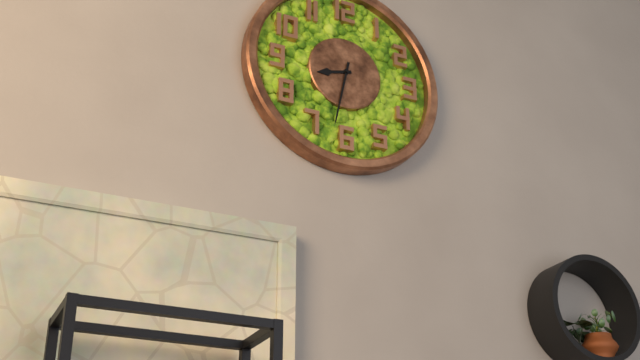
**8:32**
